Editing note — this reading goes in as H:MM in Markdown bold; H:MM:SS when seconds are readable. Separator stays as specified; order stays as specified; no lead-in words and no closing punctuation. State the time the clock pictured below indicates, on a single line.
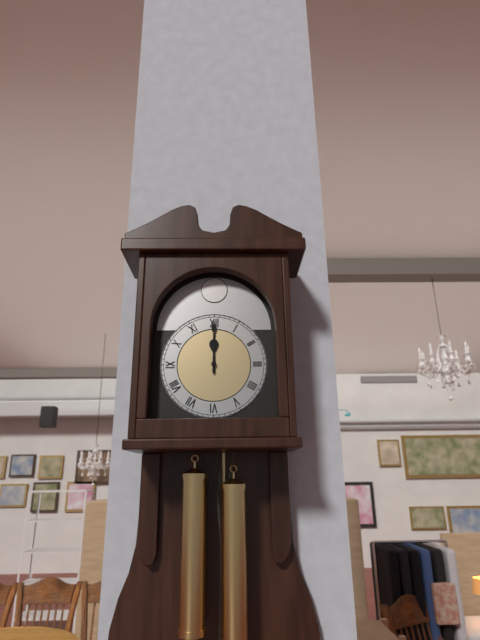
**12:00**
